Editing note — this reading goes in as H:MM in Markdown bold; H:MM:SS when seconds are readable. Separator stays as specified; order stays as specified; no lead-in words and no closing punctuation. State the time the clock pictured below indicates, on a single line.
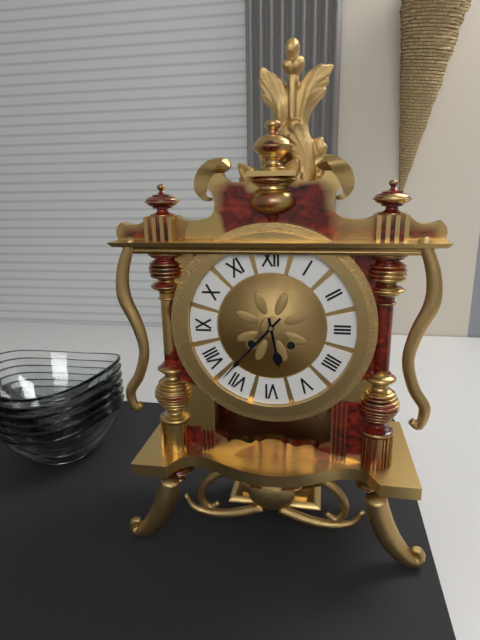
**5:37**
